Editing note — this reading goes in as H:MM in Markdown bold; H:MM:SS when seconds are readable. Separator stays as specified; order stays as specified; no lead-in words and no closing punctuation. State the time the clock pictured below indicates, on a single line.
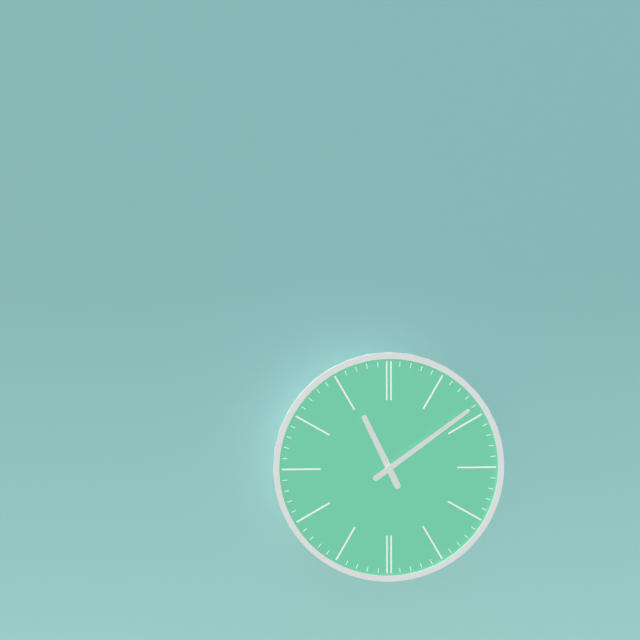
**11:09**
